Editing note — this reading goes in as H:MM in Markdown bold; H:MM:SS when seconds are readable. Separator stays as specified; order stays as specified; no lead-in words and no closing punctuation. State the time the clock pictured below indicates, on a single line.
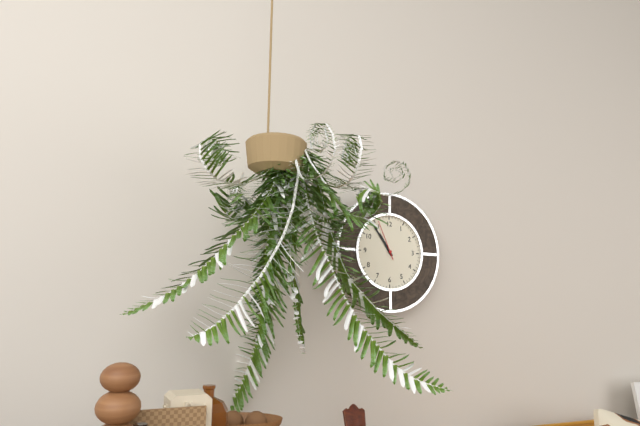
**10:54**
